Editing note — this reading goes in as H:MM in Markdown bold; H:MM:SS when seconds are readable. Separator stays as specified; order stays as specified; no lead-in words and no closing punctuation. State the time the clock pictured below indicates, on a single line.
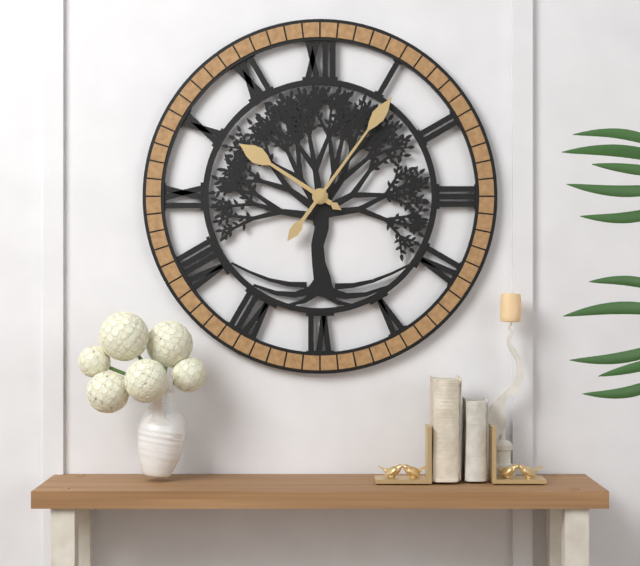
**10:06**
